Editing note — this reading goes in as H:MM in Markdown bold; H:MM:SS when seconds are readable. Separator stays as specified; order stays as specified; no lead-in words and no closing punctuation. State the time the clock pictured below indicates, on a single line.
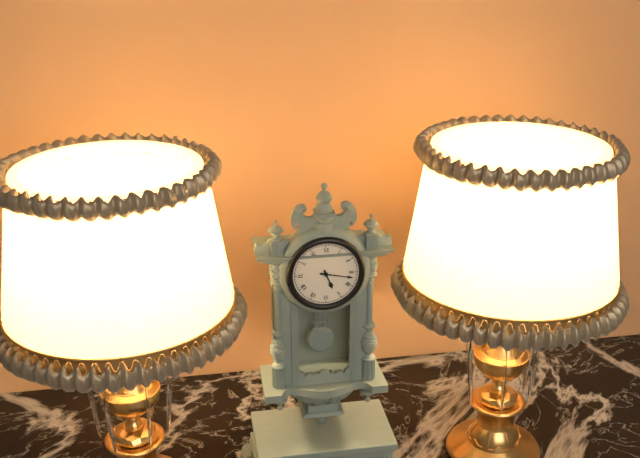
**5:17**
